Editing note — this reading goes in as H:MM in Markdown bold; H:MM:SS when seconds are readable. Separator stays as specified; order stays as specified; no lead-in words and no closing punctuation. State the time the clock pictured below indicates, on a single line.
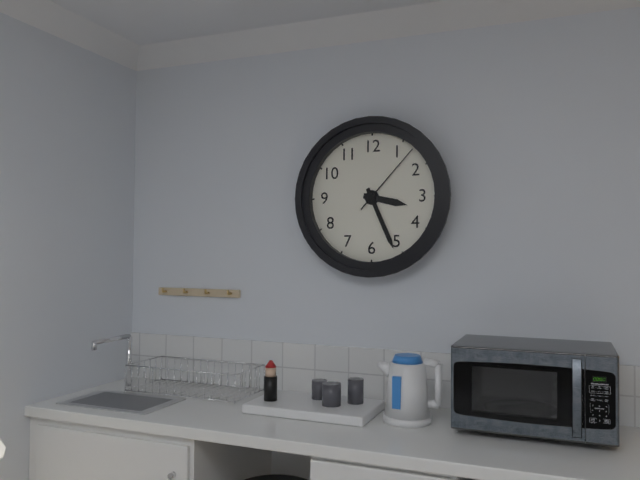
**3:26:07**
